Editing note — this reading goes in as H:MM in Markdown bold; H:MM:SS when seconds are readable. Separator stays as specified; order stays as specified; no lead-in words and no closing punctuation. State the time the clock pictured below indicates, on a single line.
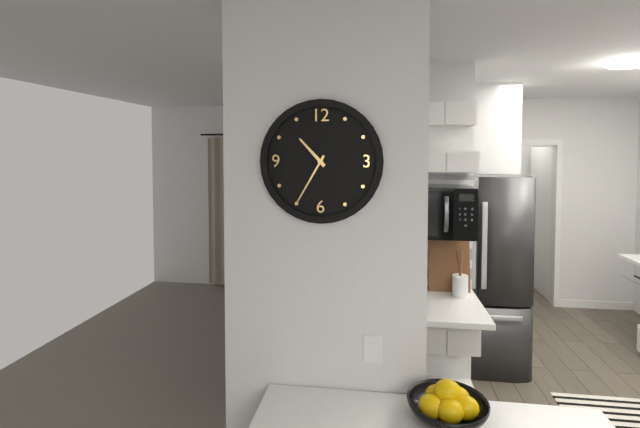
**10:35**
